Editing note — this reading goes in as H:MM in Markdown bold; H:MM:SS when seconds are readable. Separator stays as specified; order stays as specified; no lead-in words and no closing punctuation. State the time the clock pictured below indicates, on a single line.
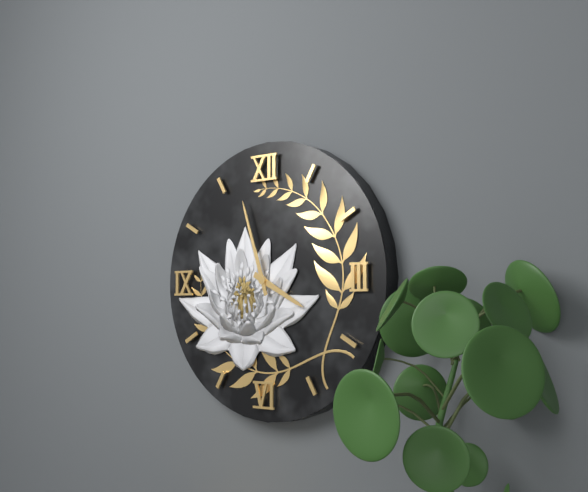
**3:57**
